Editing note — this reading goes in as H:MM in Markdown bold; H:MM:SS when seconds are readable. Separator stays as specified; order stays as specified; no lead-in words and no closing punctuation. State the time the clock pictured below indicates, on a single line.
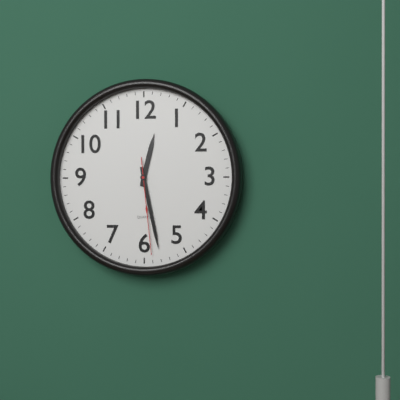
**12:28:29**
